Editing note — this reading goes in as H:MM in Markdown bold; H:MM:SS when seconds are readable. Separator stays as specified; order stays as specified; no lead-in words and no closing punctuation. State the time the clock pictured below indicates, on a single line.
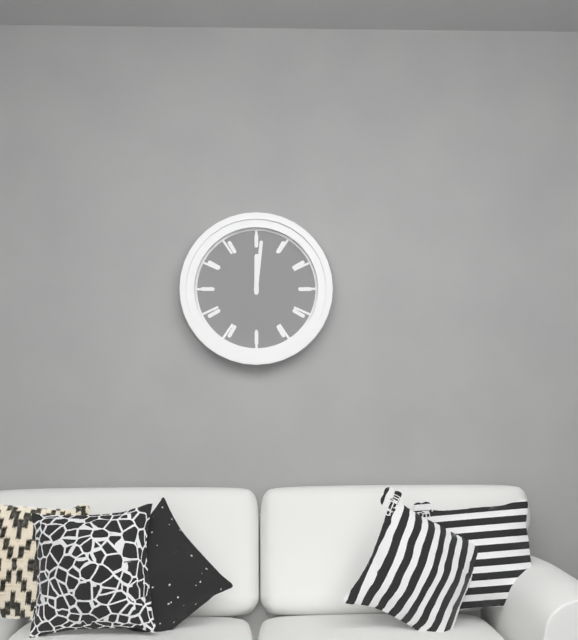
**12:01**
